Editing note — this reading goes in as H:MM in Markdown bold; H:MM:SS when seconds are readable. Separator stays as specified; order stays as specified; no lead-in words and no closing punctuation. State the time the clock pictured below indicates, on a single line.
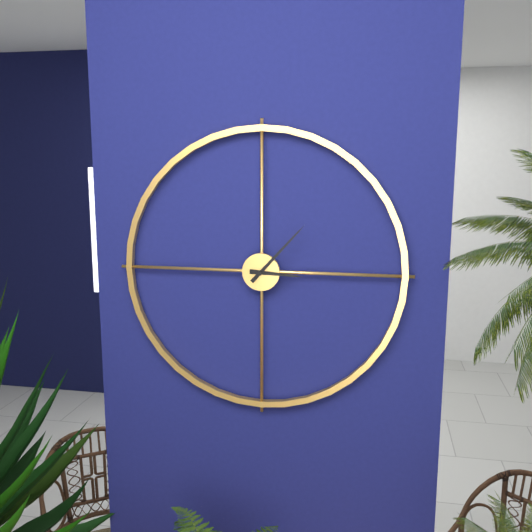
**3:07**
